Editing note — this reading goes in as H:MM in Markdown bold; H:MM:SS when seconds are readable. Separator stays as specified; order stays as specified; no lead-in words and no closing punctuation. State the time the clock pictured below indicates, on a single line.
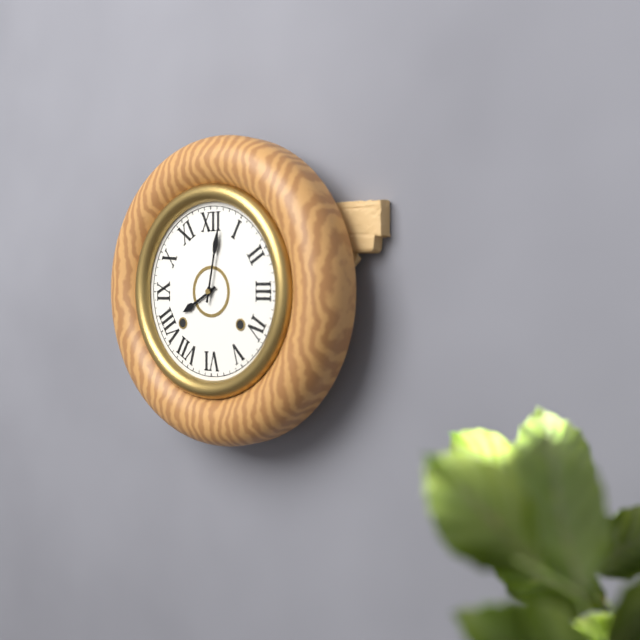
**8:02**
